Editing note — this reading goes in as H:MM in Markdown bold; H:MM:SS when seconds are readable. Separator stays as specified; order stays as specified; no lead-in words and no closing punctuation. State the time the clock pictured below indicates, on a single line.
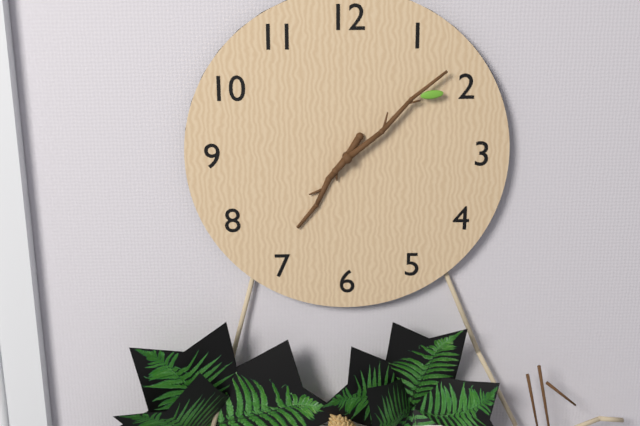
**7:08**
